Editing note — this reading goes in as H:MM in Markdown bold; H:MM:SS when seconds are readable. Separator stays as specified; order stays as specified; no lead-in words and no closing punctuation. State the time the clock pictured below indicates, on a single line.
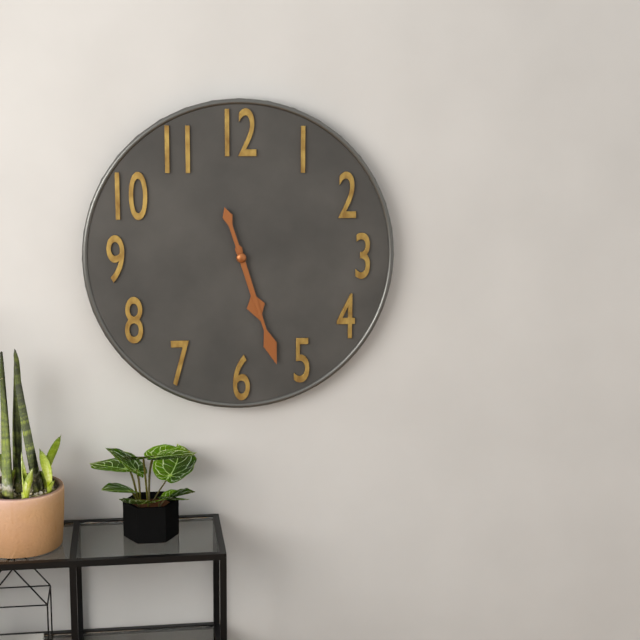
**5:27**
